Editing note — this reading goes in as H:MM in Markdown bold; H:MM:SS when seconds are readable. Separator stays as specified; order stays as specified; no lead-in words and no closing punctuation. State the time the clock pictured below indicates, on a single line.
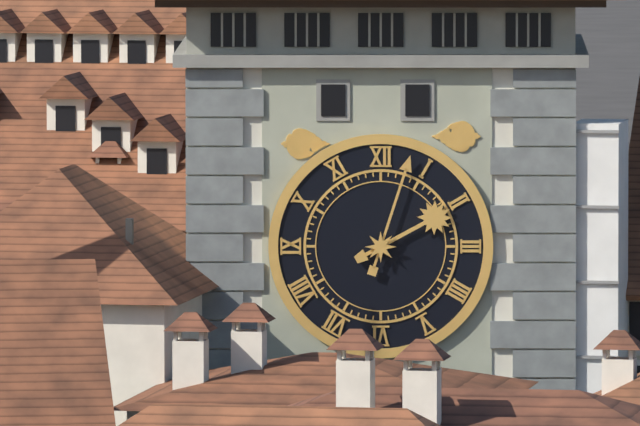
**2:03**
